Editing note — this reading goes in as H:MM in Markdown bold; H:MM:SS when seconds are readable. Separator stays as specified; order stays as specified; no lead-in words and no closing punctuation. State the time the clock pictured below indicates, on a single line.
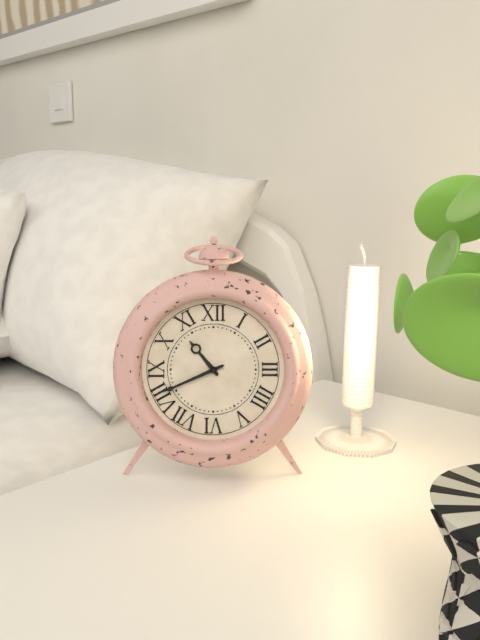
**10:41**
